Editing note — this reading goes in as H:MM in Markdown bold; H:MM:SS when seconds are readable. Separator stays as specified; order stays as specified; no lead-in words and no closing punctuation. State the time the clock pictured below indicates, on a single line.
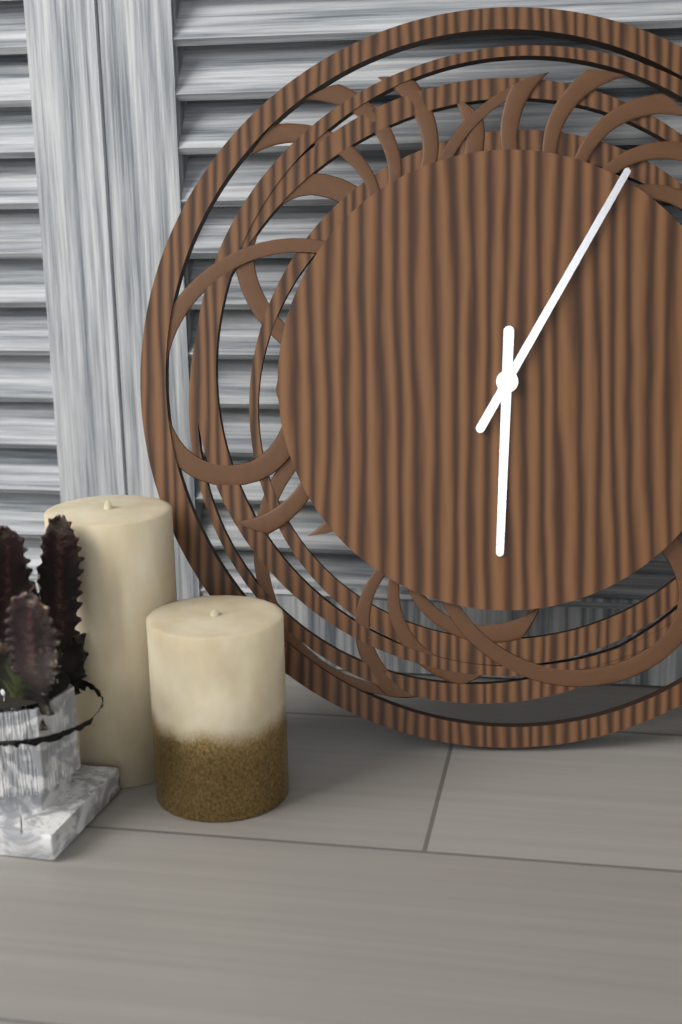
**6:05**
